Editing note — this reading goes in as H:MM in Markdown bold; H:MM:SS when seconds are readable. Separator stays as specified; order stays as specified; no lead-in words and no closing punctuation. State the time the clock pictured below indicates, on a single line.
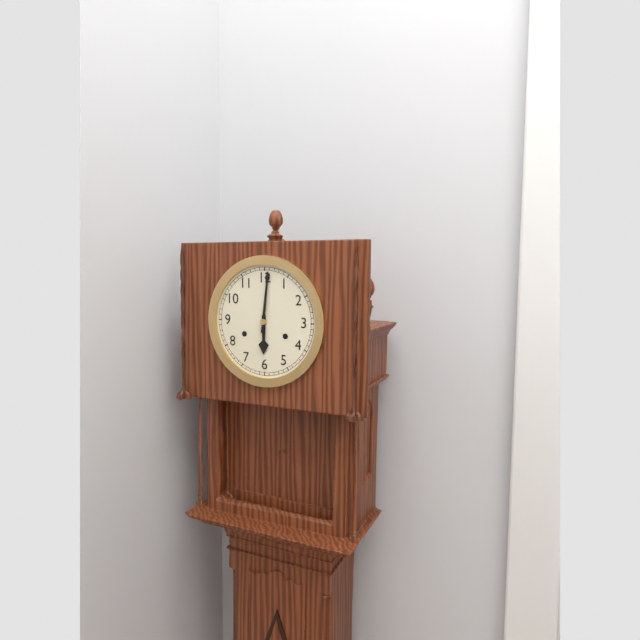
**6:01**
